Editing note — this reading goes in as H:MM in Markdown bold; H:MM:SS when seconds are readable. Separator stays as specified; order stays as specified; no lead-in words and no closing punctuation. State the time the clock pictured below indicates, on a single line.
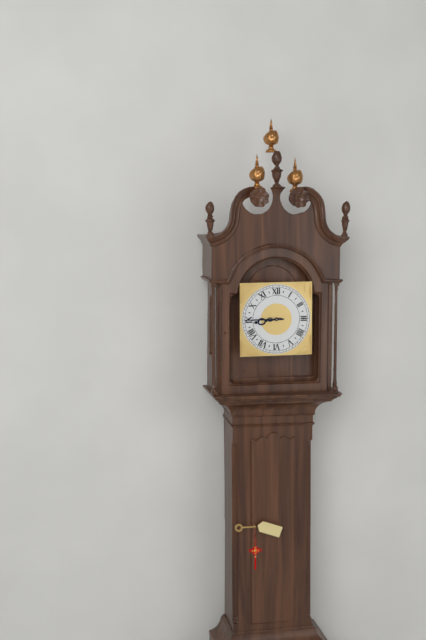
**8:45**
